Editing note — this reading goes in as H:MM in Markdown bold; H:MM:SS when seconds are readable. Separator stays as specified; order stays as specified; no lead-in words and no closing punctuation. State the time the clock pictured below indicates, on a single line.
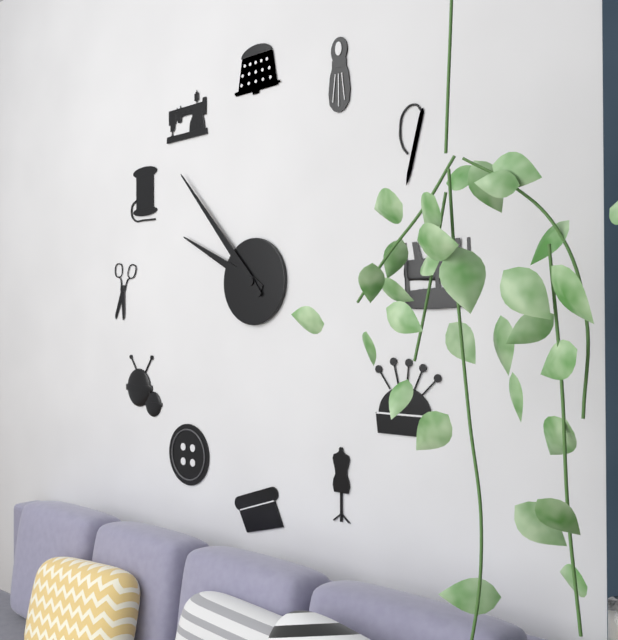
**9:53**
